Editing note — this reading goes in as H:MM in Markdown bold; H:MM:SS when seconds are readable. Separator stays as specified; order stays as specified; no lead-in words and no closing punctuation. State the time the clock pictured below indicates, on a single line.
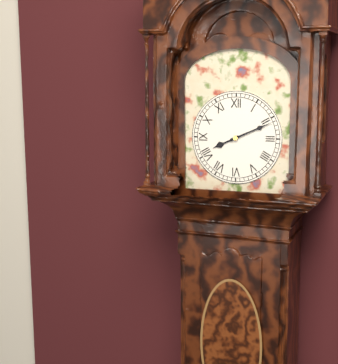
**8:11**
